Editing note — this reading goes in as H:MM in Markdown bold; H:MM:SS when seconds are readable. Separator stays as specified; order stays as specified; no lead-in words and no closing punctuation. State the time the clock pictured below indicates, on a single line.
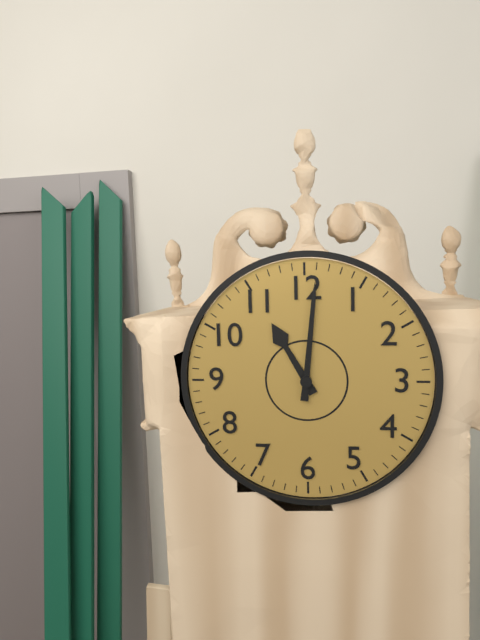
**11:01**
